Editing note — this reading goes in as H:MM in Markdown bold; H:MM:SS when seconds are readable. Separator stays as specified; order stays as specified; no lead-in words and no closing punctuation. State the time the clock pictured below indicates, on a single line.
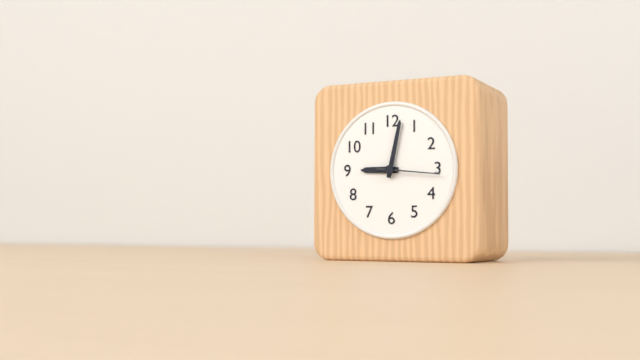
**9:02:16**
